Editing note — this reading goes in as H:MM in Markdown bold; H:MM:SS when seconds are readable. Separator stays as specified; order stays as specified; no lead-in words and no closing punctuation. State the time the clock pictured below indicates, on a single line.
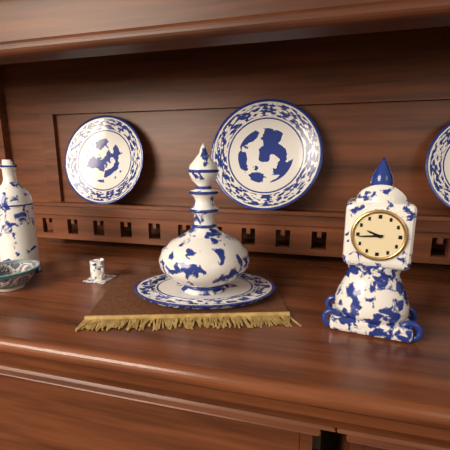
**9:44**
